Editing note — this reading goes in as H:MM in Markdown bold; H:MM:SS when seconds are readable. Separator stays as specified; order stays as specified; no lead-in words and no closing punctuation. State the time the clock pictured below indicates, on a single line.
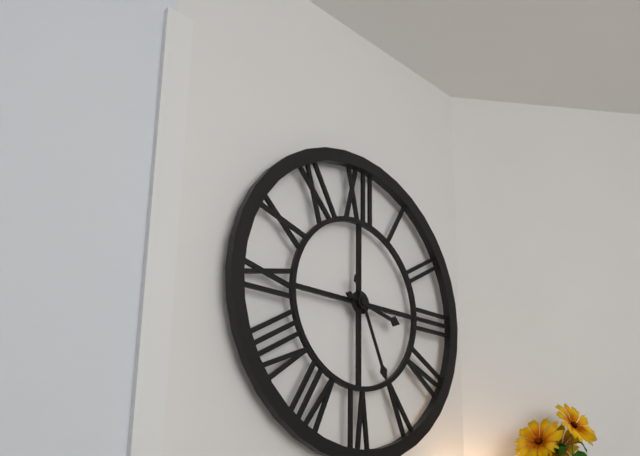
**3:26**
